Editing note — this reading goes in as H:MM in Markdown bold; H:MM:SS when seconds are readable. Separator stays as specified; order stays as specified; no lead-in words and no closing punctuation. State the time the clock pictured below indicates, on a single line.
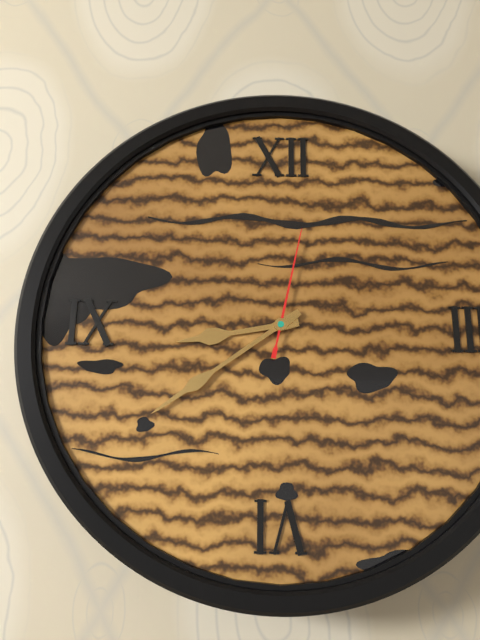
**8:39:02**
